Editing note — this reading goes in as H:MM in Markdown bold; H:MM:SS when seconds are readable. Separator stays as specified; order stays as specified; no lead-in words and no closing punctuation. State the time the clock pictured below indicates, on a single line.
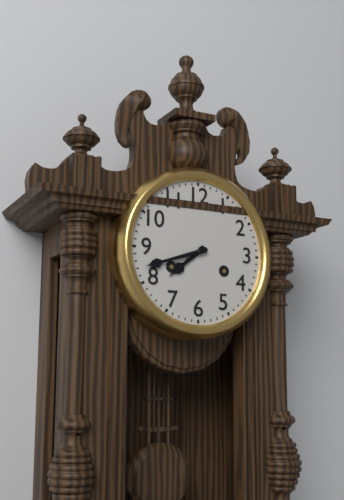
**7:42**
